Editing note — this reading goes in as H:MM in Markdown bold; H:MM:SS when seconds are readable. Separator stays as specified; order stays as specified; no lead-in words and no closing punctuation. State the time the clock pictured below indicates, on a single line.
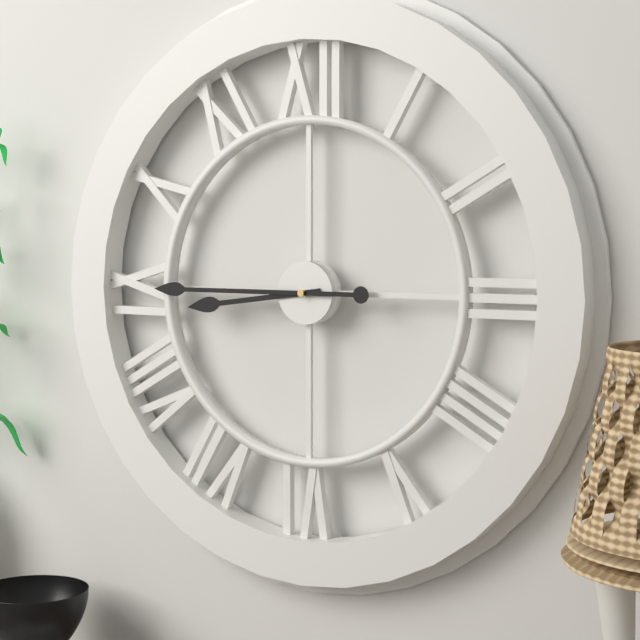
**8:45**
